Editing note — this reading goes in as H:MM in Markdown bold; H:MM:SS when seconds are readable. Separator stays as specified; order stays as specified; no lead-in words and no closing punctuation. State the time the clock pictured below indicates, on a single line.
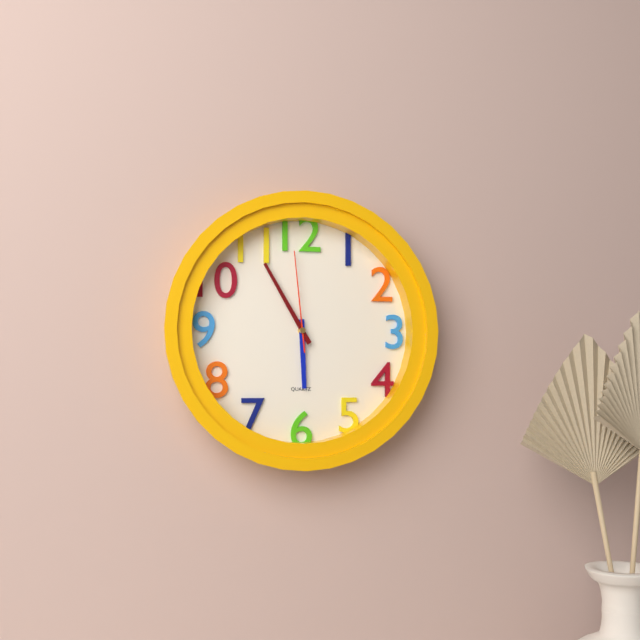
**5:55:59**
